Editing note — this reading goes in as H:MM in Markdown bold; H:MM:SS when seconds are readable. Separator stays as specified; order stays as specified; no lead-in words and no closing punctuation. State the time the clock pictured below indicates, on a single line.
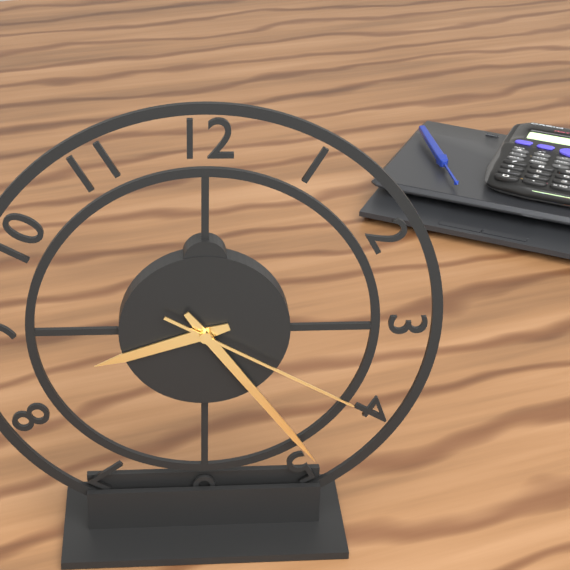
**8:24:20**
